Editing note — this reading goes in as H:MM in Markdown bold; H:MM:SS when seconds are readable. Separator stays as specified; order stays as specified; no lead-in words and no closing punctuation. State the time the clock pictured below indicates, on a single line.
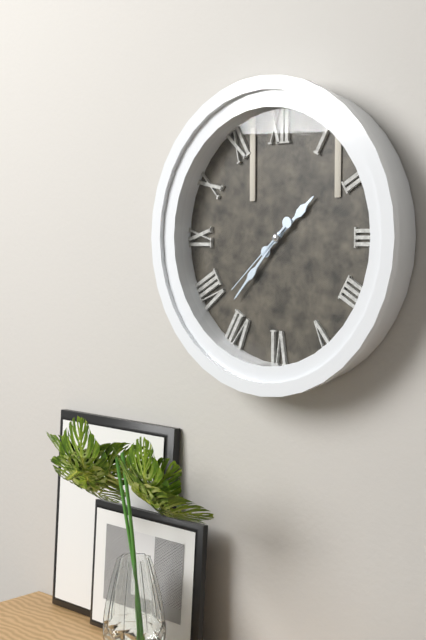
**1:37:38**
